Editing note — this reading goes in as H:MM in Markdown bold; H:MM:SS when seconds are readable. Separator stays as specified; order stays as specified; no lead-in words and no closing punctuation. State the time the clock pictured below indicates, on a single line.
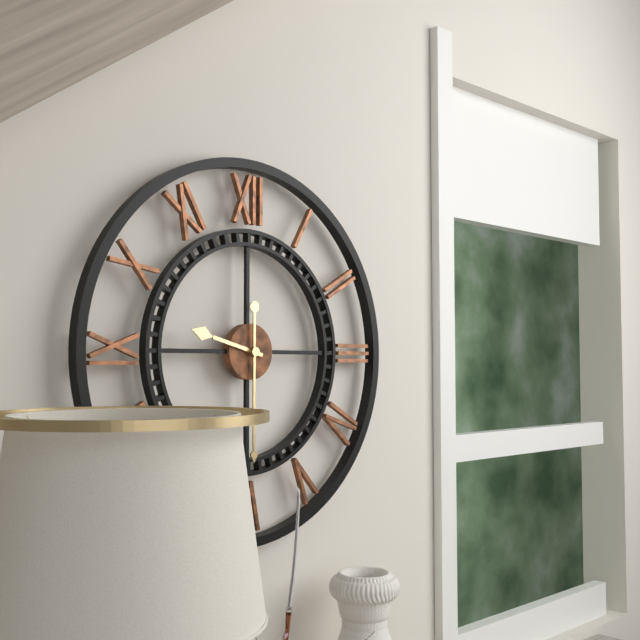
**9:30**
